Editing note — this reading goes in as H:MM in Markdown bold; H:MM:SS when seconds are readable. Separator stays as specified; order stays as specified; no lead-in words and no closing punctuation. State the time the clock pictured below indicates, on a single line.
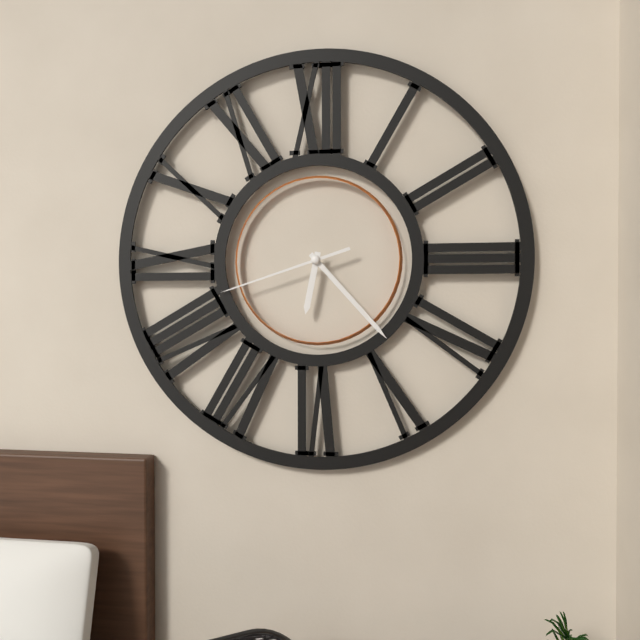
**6:23:42**
